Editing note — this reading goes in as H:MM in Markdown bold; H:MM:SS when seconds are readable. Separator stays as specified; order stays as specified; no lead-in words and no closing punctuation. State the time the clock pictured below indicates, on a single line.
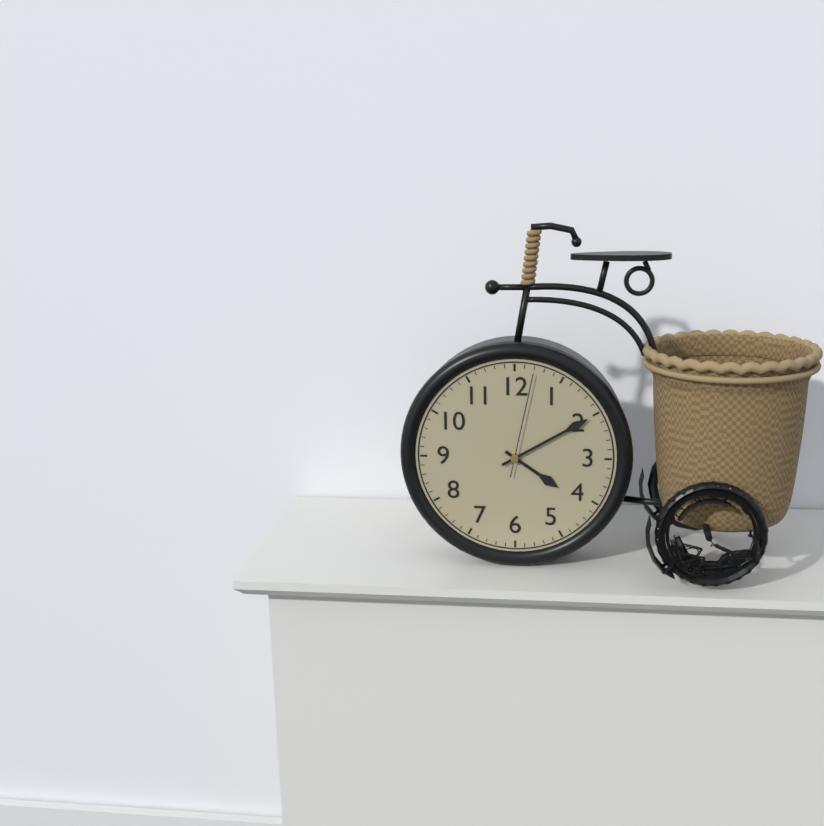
**4:10:02**
